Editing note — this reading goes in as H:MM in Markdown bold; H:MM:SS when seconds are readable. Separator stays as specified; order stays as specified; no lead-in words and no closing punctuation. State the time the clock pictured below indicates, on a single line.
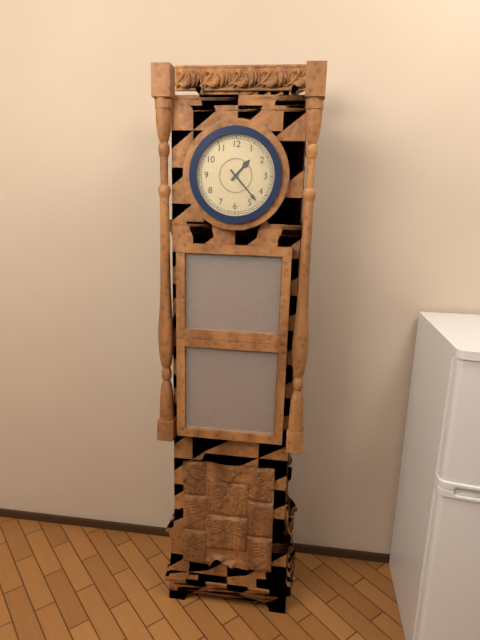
**1:23**
